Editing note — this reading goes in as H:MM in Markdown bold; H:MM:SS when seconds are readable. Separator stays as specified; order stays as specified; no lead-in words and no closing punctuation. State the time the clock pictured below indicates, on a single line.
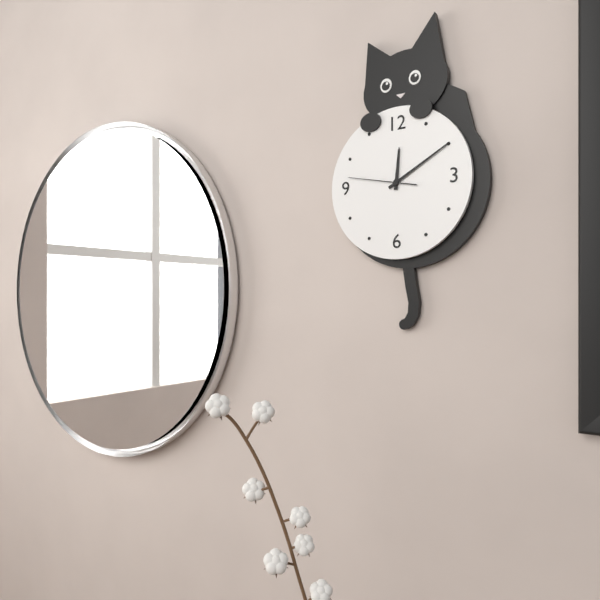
**12:10:47**
